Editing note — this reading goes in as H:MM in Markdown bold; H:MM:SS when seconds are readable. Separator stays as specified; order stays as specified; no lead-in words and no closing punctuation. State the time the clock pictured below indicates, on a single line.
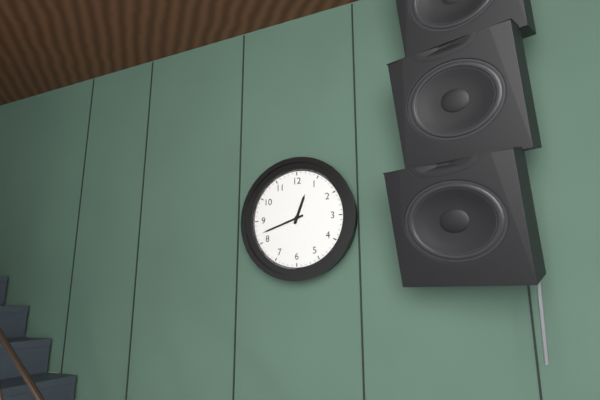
**12:42**
